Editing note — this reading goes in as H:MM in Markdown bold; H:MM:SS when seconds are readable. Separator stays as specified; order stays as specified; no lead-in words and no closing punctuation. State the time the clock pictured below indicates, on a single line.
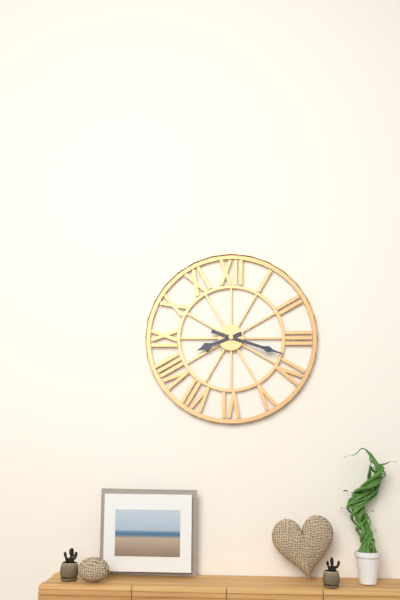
**8:18**
